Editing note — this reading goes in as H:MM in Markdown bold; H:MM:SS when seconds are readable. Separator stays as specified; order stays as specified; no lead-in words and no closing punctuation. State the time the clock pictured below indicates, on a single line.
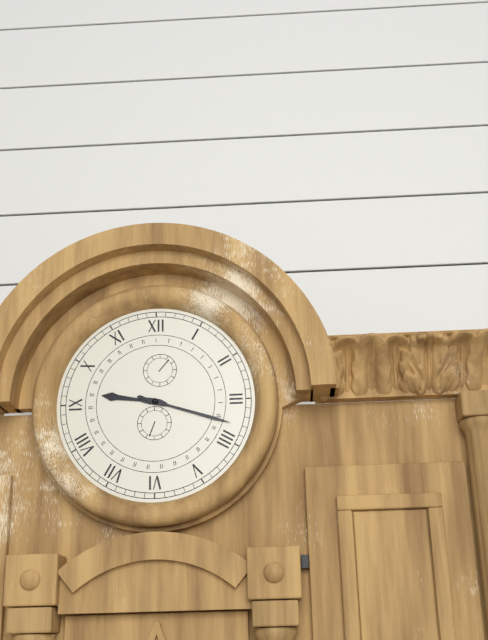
**9:18**
